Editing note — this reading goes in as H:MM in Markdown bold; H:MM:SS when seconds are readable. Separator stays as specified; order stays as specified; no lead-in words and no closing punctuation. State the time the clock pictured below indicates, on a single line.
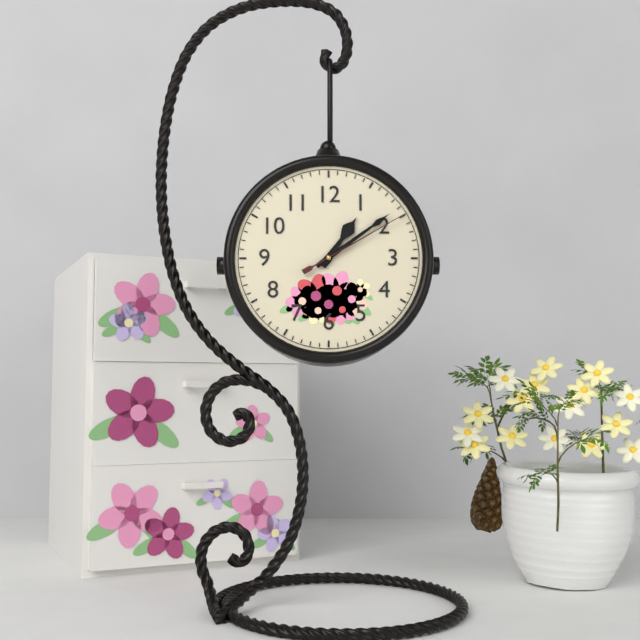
**1:09:10**
